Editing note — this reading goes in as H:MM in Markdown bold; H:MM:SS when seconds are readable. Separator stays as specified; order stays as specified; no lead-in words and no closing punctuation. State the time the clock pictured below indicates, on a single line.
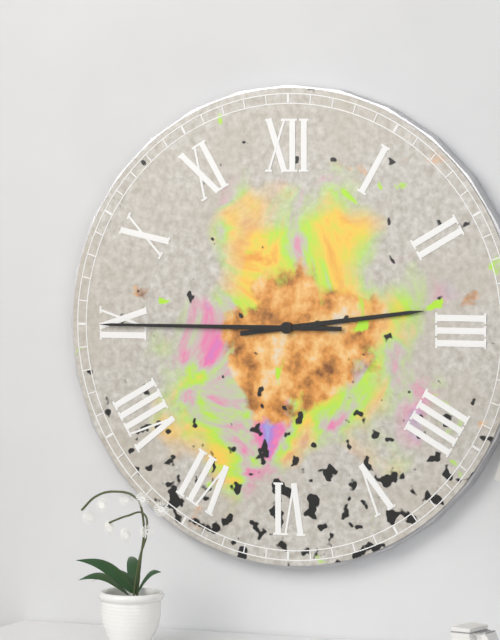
**2:45**
